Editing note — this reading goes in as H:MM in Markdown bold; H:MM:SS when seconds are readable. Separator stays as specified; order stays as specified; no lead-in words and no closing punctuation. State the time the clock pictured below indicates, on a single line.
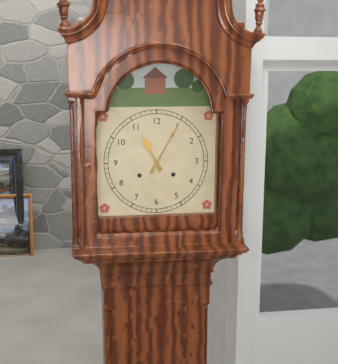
**11:05**
